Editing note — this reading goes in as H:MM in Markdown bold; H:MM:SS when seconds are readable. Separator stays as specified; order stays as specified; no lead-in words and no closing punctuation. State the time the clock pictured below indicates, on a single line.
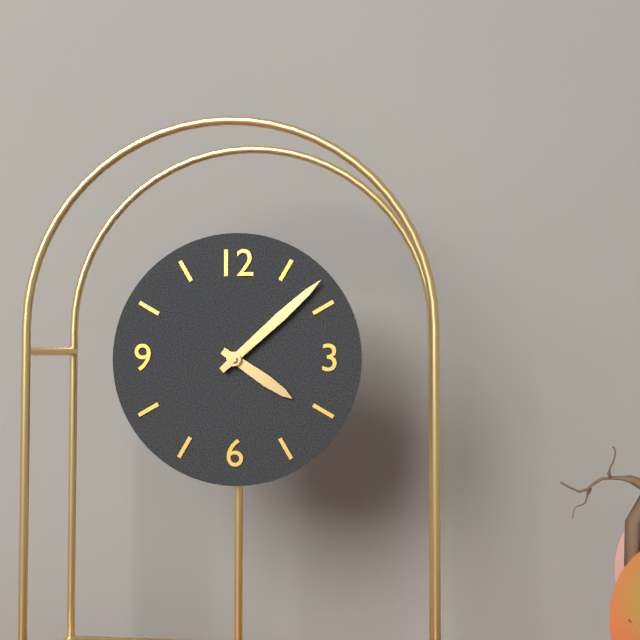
**4:08**
